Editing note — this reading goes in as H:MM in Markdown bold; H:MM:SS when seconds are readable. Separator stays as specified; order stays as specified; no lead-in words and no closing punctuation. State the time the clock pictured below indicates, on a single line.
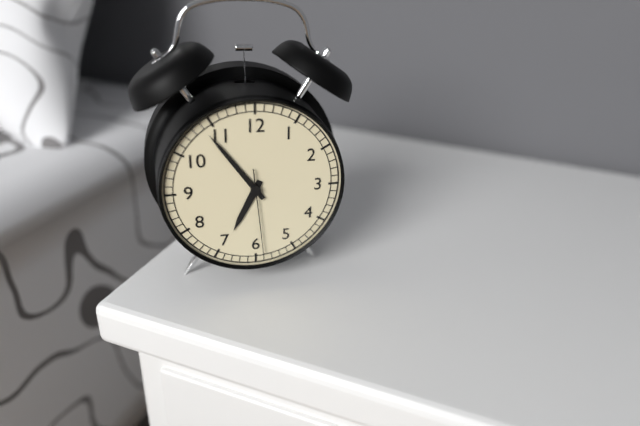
**6:54:29**
